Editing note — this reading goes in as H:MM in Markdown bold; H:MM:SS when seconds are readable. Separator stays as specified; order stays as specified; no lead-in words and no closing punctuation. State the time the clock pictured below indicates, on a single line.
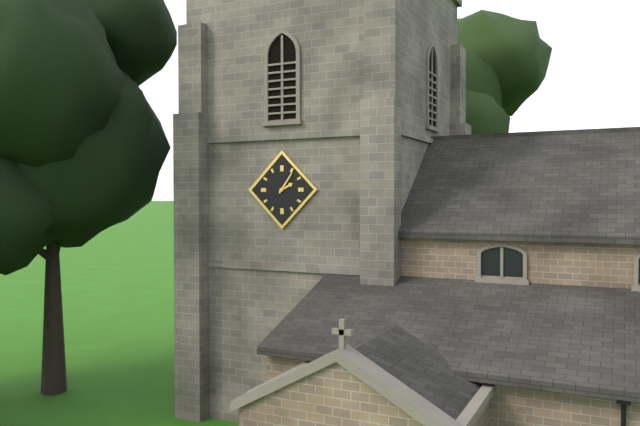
**2:06**
